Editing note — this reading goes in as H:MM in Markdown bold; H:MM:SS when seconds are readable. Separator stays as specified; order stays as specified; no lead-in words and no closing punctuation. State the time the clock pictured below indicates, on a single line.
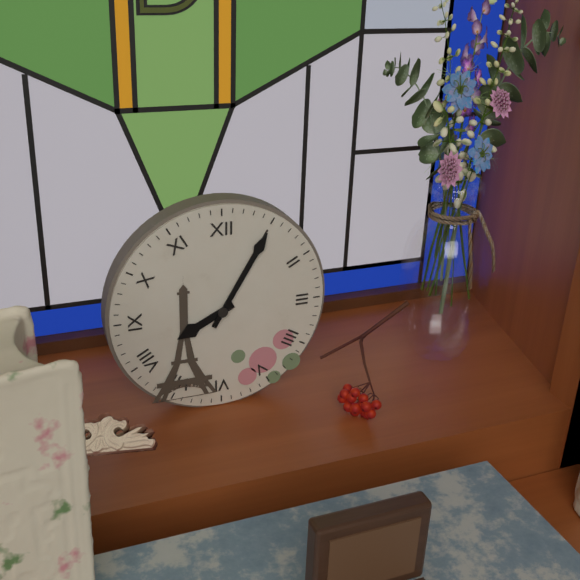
**8:05**
